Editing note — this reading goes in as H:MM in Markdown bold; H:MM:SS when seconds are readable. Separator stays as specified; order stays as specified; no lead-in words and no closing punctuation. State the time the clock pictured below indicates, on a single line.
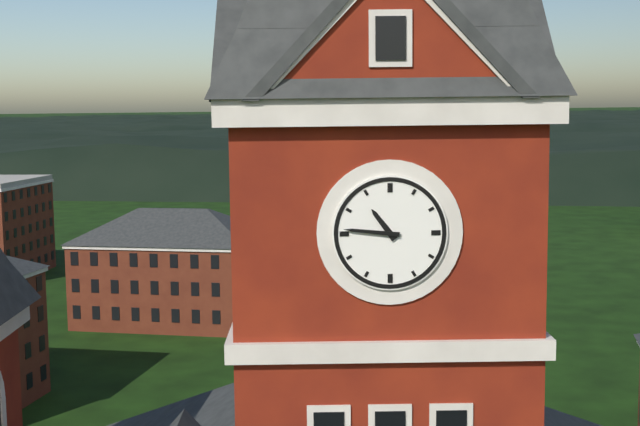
**10:46**
